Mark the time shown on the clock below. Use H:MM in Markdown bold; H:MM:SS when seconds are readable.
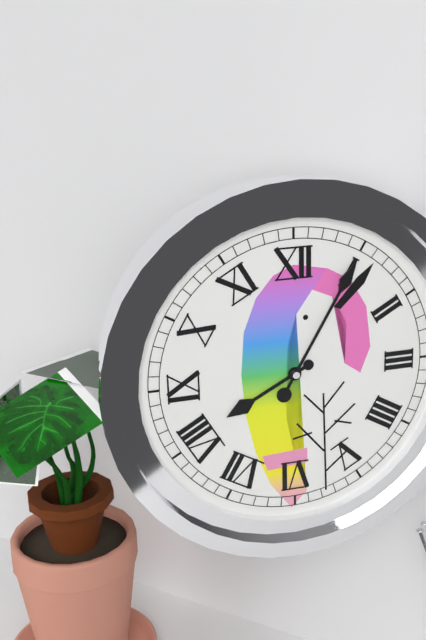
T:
**8:05**
